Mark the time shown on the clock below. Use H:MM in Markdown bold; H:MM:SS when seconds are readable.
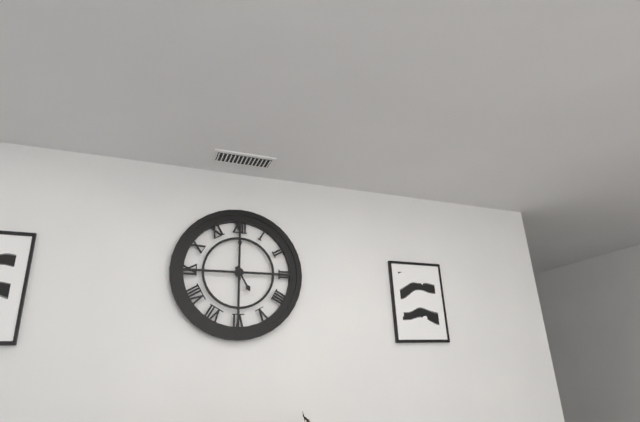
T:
**5:00**
